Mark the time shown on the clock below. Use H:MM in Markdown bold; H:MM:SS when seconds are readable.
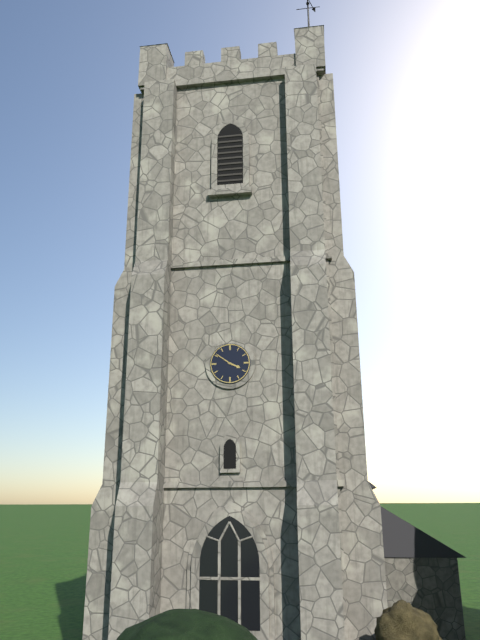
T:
**3:51**
